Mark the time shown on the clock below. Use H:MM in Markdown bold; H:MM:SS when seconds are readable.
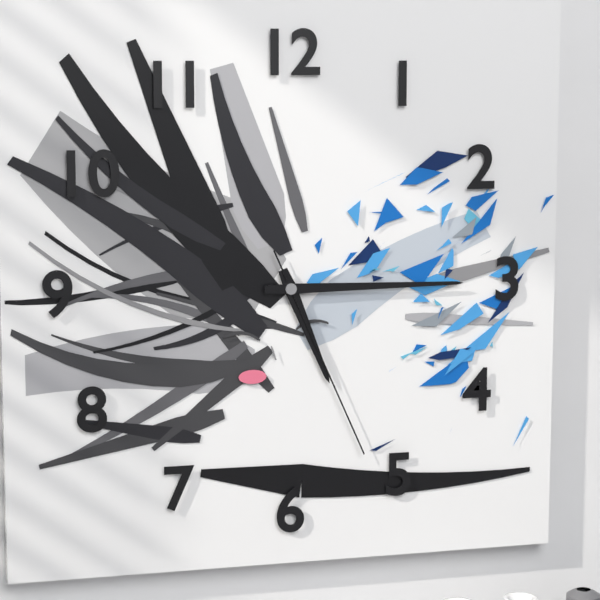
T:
**5:15:26**
